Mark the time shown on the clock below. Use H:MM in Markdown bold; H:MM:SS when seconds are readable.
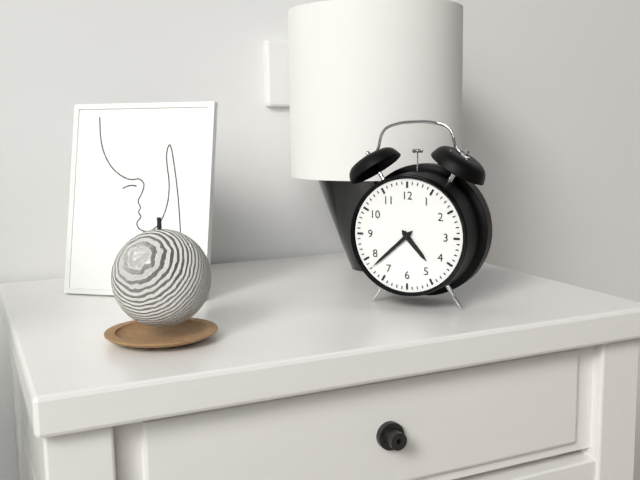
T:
**4:38**
